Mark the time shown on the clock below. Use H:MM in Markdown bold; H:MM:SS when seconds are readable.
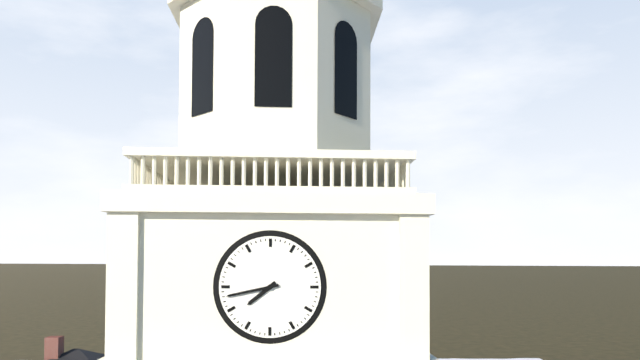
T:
**7:43**
